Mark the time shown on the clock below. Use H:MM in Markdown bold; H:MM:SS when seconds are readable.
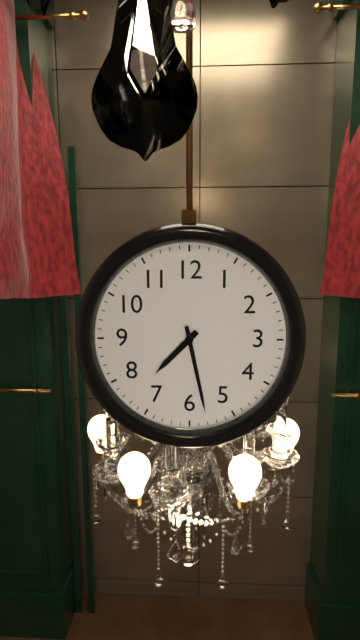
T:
**7:28**
